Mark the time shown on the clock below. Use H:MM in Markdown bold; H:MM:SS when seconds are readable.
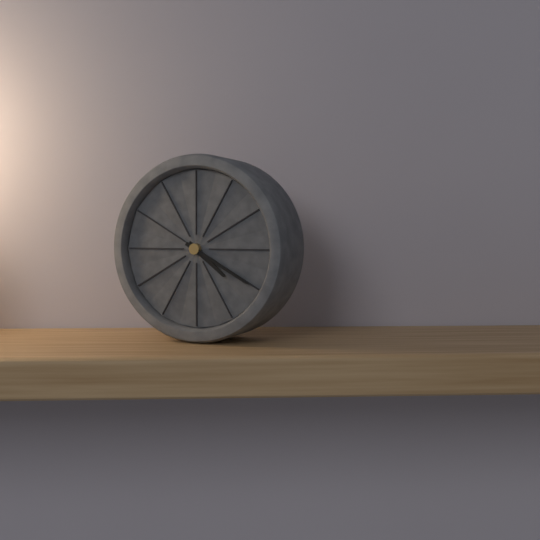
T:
**4:20**
